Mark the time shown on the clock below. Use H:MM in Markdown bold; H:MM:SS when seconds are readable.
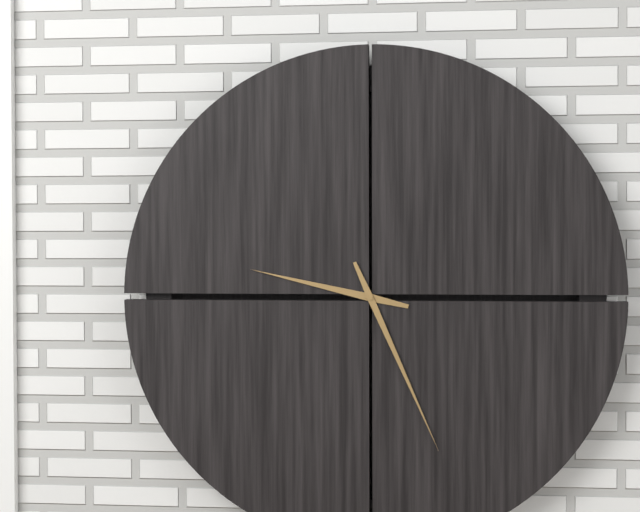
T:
**9:26**
